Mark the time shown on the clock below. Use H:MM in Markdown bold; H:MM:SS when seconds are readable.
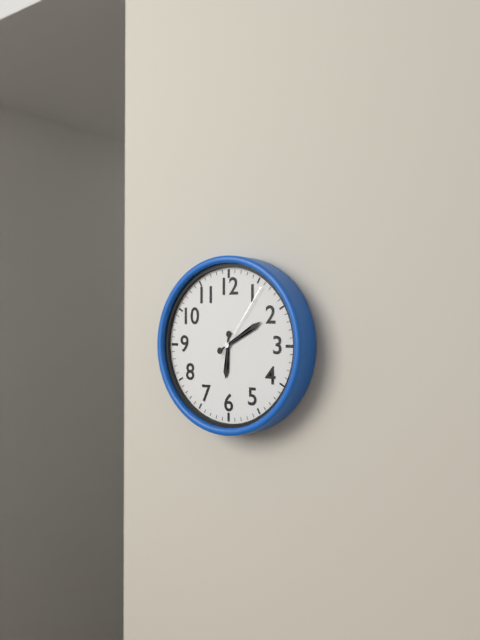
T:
**6:10:06**
